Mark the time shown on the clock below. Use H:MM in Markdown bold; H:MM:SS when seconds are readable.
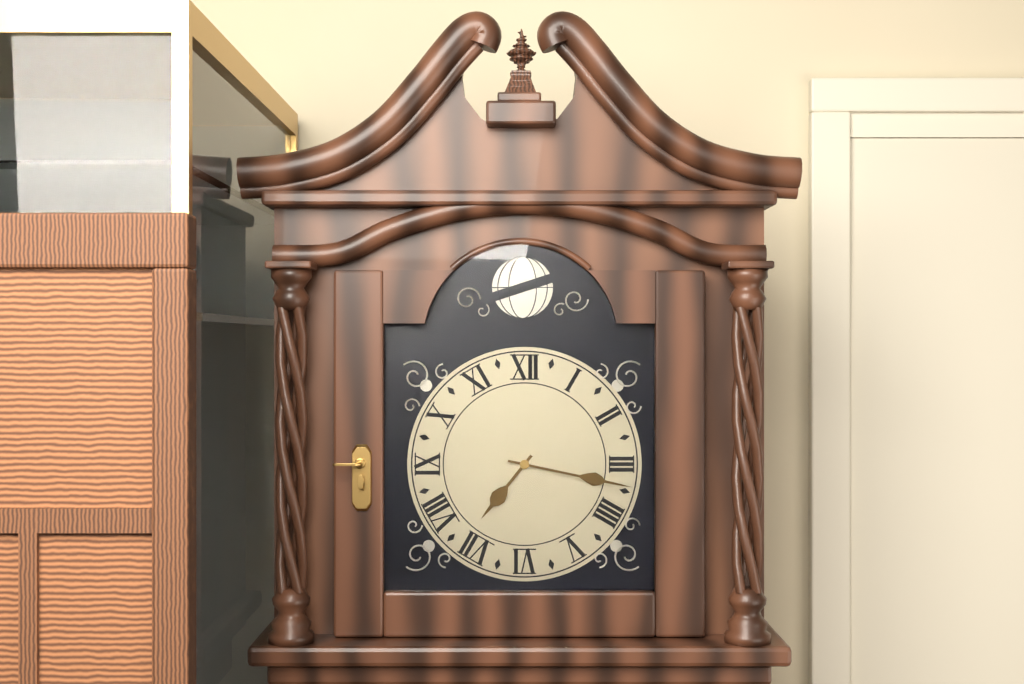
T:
**7:17**
